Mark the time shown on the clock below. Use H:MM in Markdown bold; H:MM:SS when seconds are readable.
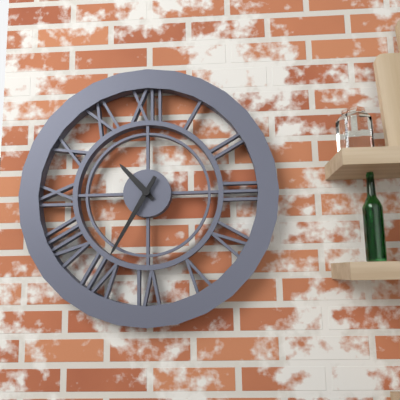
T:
**10:35**
